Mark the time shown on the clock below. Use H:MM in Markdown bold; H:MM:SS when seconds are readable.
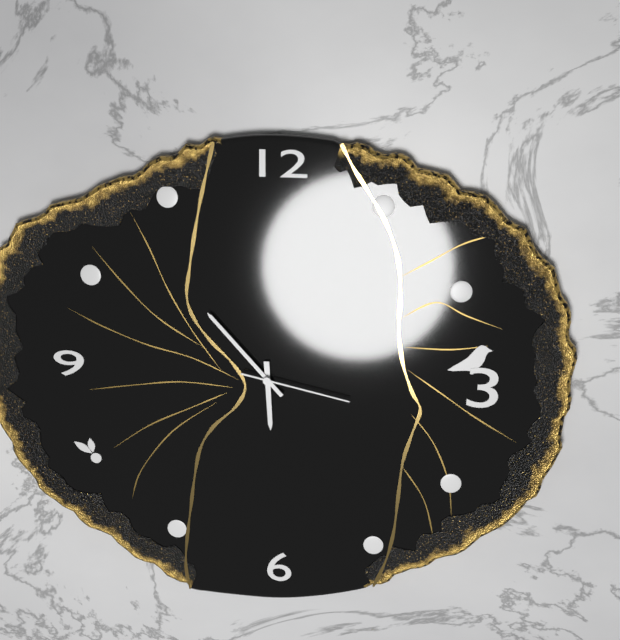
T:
**5:53:17**
